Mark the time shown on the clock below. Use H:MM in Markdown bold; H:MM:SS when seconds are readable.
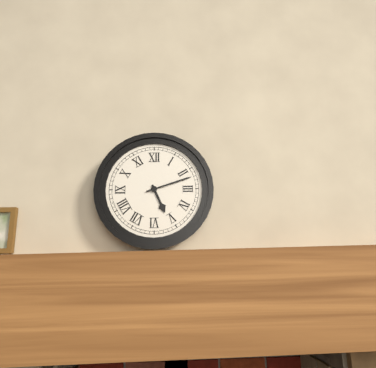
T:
**5:12**
